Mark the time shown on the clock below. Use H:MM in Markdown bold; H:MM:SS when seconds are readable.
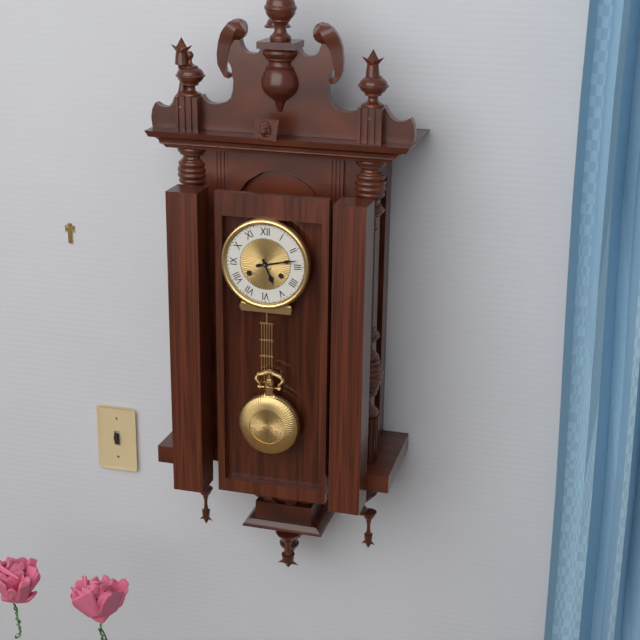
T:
**5:13**
